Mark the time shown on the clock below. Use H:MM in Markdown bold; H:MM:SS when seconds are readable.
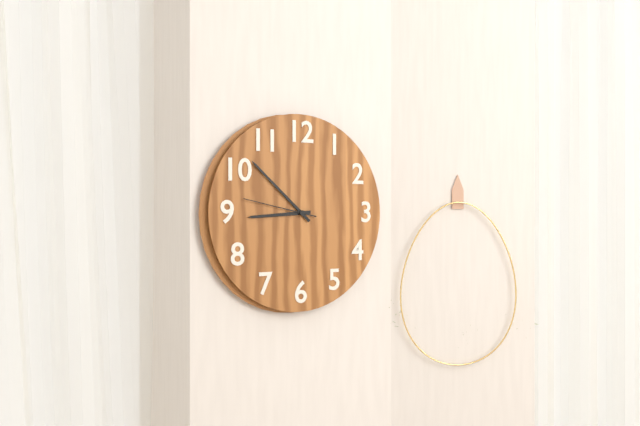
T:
**8:52:47**
